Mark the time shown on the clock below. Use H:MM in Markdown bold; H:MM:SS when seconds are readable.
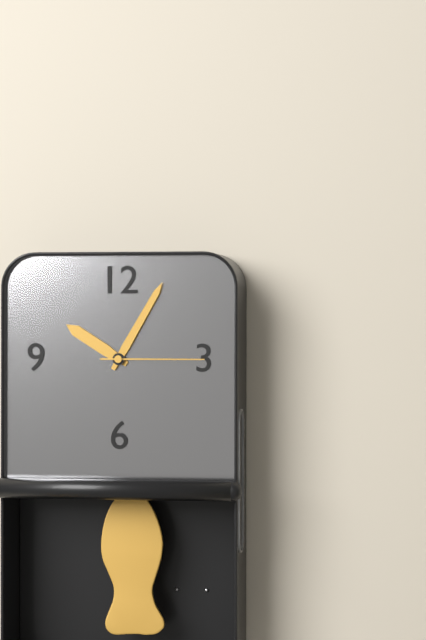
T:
**10:05:15**
